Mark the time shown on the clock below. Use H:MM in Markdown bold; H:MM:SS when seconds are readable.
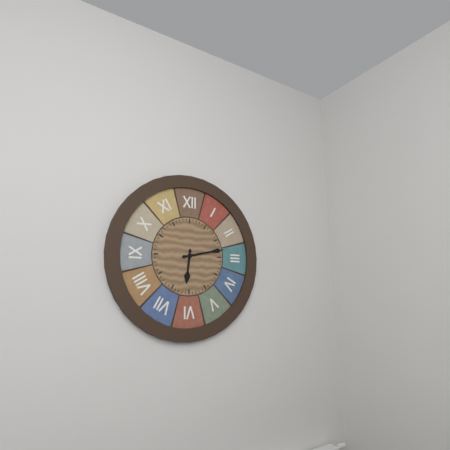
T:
**6:13**
